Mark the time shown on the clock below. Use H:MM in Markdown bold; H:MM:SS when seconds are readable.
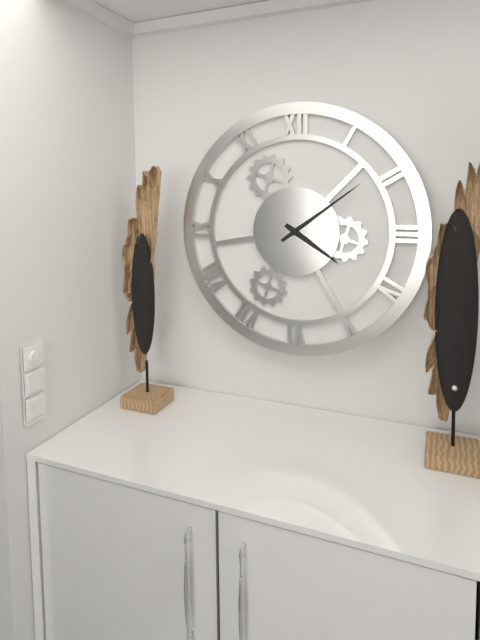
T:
**4:09**
